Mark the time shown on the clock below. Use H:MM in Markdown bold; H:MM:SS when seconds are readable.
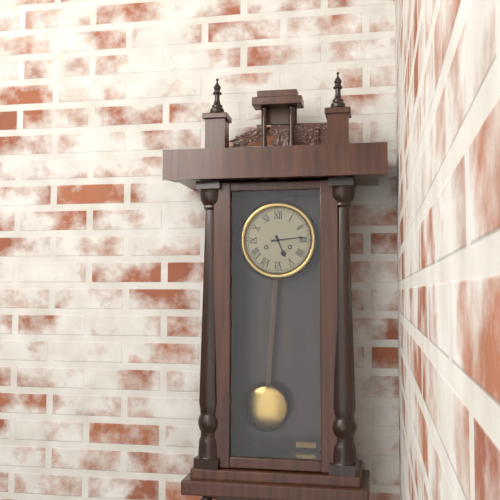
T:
**5:14**
